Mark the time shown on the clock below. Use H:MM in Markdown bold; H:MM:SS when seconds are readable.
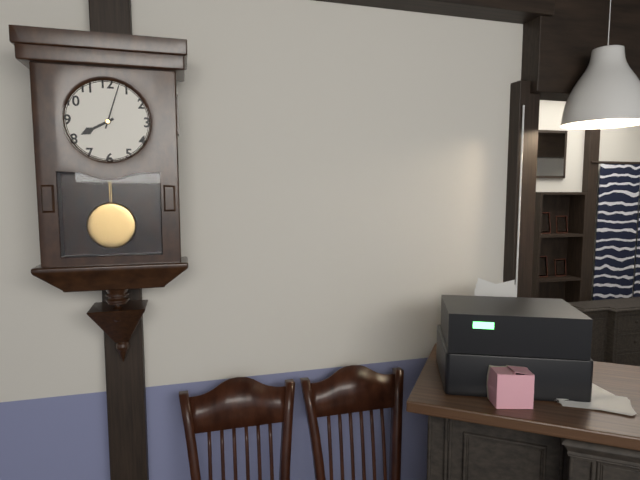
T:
**8:03**
